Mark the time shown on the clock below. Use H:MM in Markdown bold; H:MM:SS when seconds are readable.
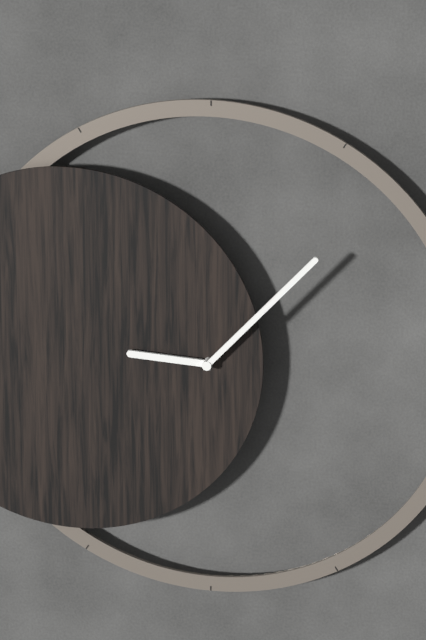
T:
**9:07**
